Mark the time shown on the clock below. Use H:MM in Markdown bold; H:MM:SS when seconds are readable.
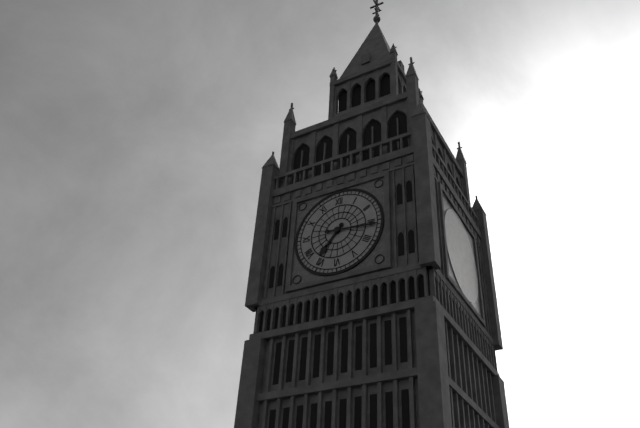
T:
**7:16**
